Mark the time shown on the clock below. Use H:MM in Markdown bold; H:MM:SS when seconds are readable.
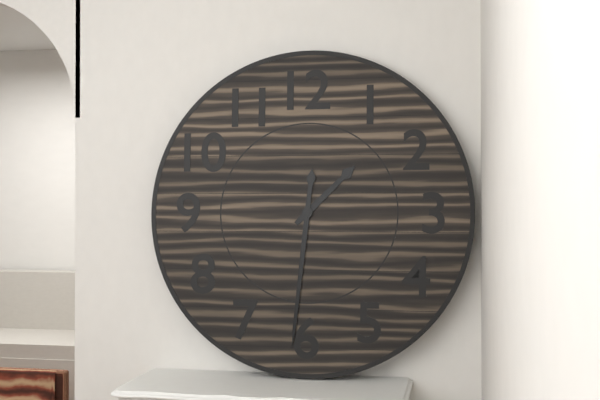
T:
**1:31**
